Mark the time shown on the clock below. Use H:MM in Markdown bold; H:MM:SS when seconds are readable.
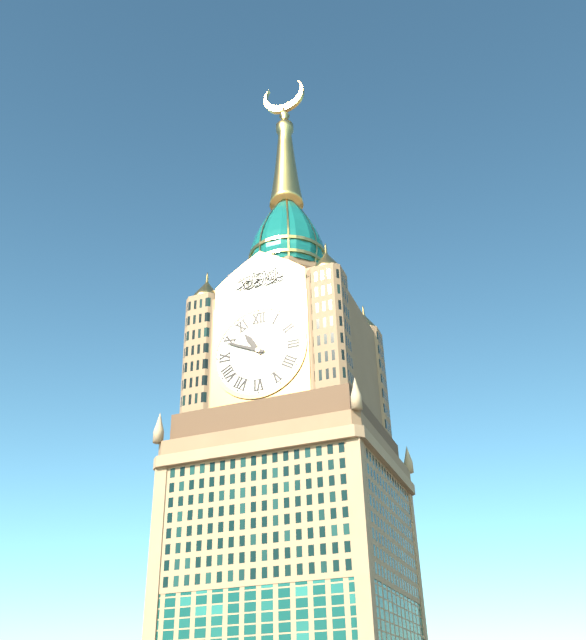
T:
**10:49**
